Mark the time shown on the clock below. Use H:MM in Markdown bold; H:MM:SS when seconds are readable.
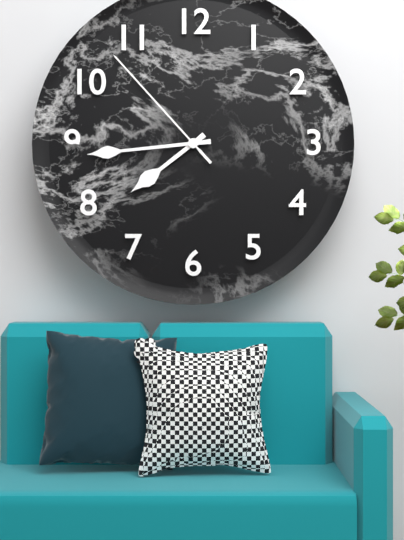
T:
**7:44:53**
